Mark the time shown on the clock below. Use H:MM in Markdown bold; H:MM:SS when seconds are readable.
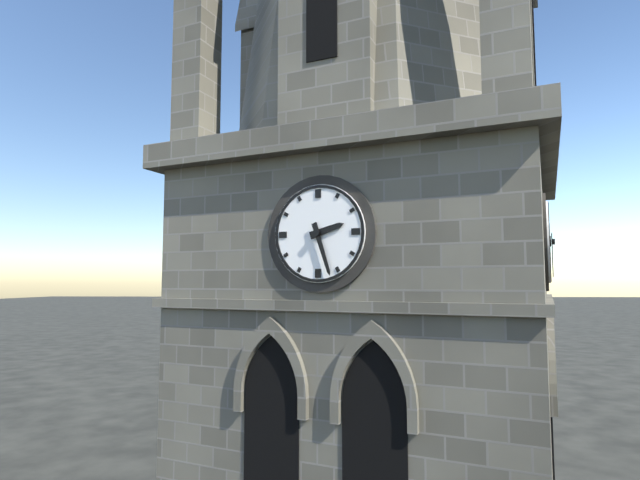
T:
**2:27**
